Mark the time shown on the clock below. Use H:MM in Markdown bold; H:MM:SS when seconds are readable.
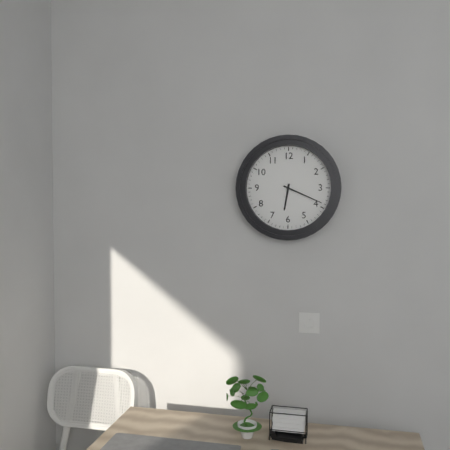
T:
**6:19**
